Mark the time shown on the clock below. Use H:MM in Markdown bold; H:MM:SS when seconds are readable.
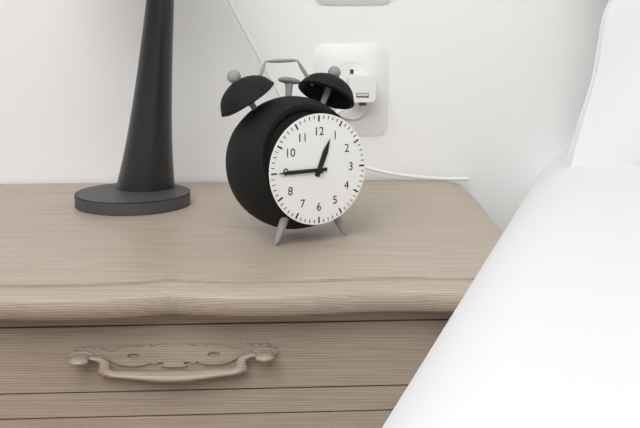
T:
**12:45**
